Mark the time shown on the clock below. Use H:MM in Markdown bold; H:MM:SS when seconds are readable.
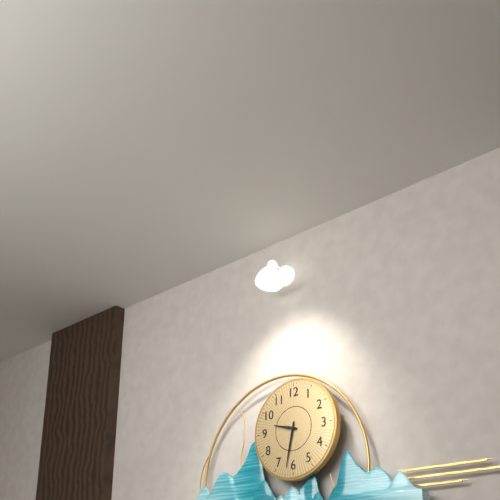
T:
**9:32**
